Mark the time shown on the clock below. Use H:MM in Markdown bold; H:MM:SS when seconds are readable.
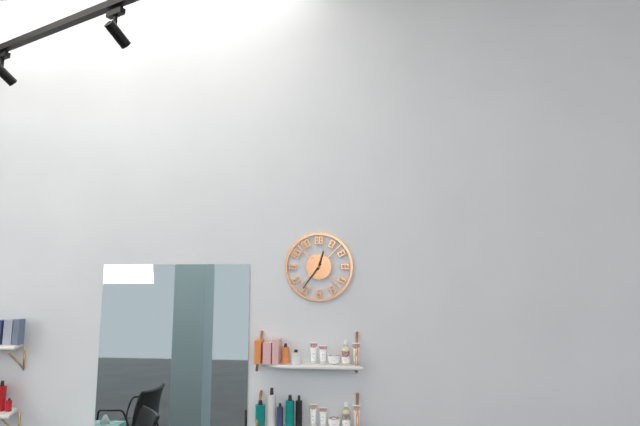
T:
**12:36**
